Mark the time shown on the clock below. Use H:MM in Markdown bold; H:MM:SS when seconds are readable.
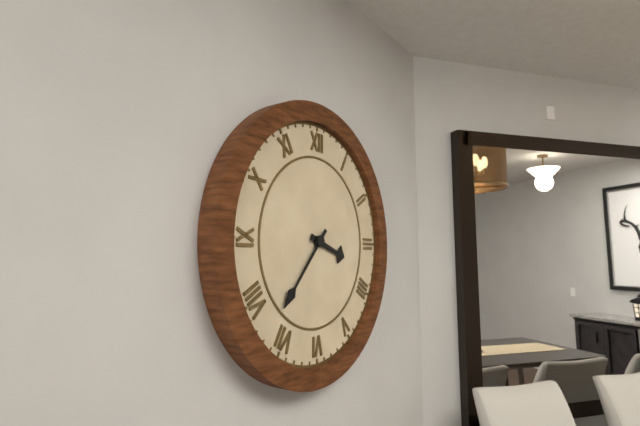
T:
**3:37**
